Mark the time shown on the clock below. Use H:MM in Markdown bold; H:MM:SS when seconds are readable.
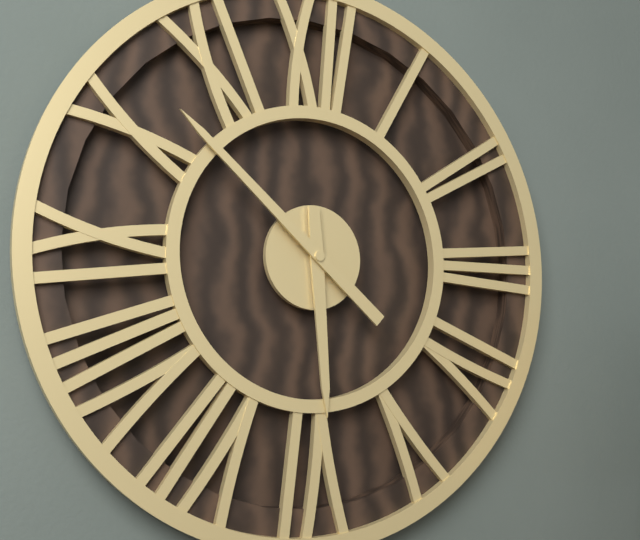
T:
**5:52**
